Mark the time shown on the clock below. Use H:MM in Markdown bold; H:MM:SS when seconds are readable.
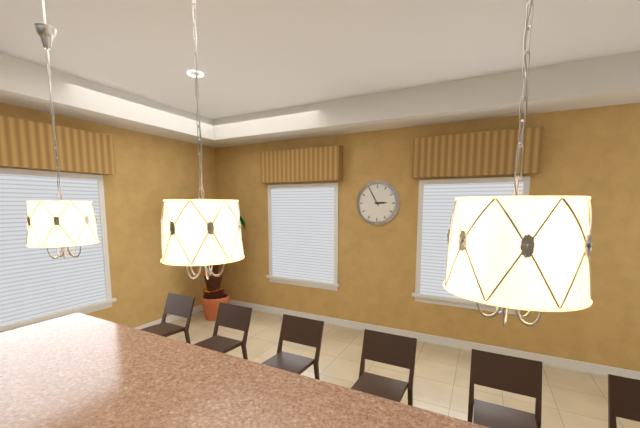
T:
**2:55**
